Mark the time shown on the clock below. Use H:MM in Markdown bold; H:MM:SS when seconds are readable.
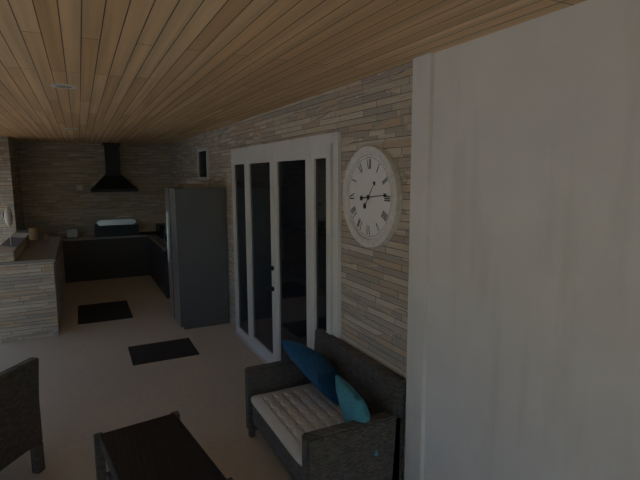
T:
**1:14**
